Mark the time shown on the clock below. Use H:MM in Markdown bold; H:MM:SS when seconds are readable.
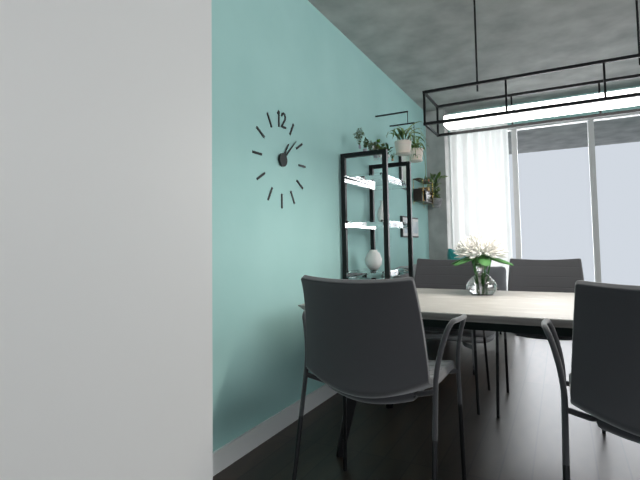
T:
**1:08**
